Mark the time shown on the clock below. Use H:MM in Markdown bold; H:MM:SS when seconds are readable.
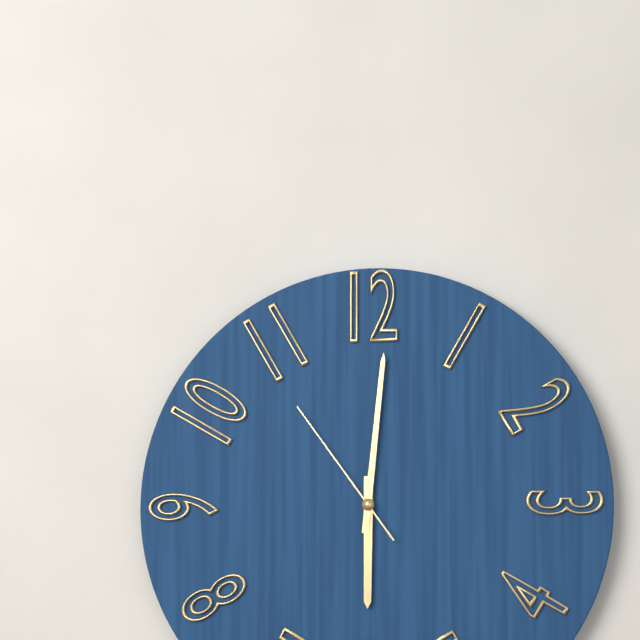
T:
**6:01:54**
